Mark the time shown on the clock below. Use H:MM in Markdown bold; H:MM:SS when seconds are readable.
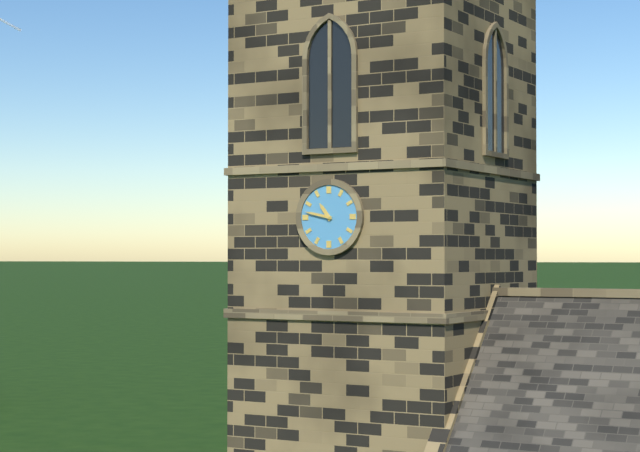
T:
**10:47**
